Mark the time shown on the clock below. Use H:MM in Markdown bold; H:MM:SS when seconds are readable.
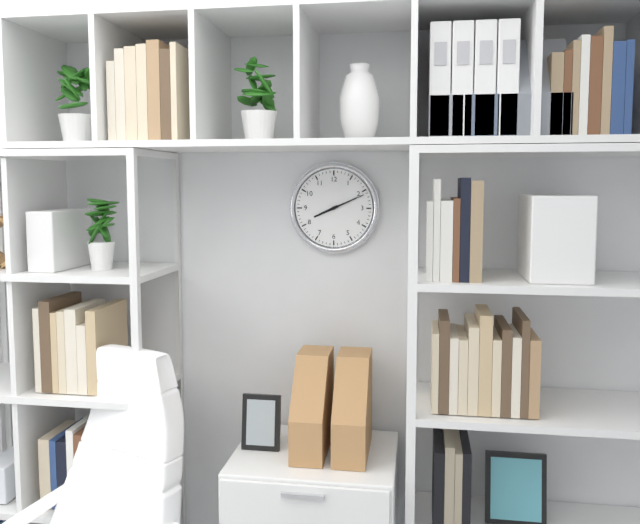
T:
**8:11**
